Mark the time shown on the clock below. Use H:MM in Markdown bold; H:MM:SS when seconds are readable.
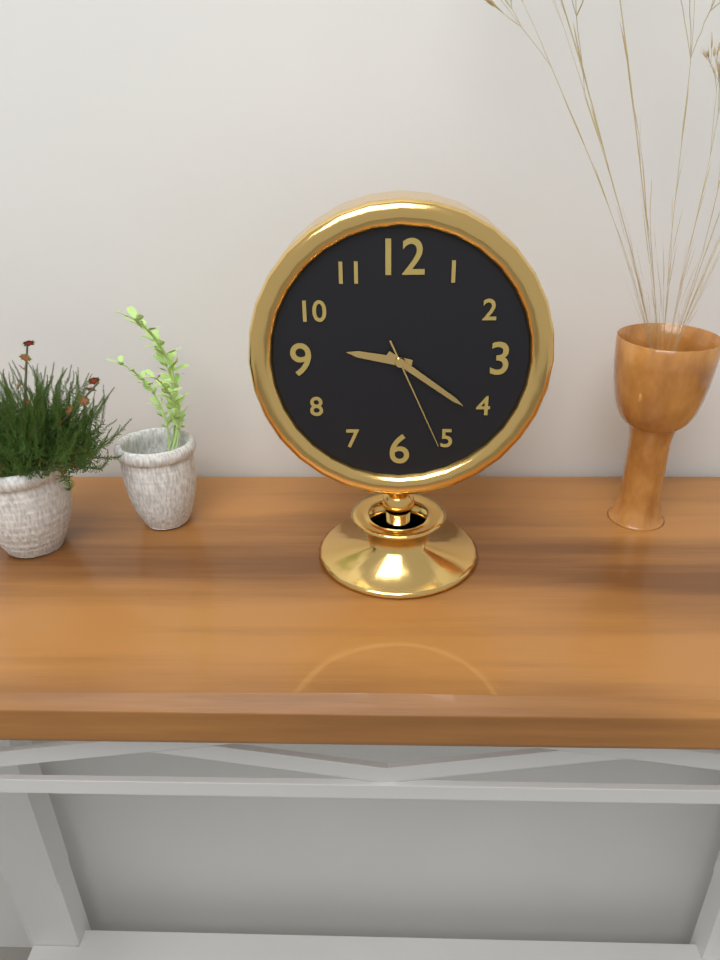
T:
**9:21:26**
